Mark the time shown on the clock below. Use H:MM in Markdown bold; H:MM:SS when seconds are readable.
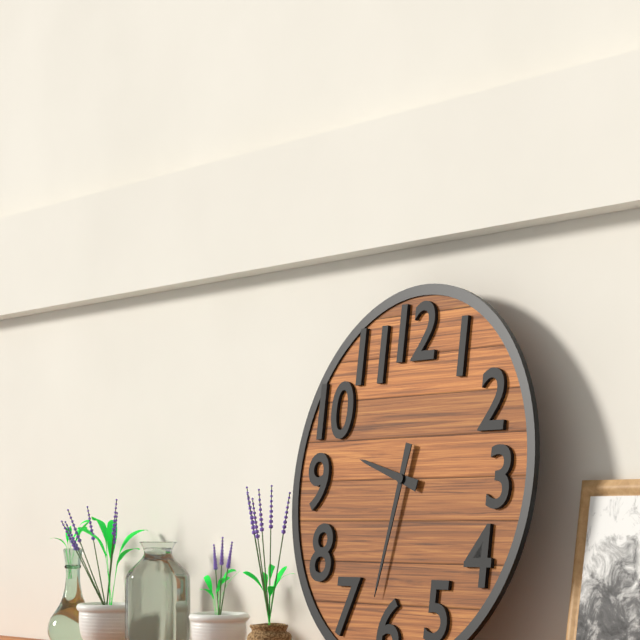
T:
**9:32**
